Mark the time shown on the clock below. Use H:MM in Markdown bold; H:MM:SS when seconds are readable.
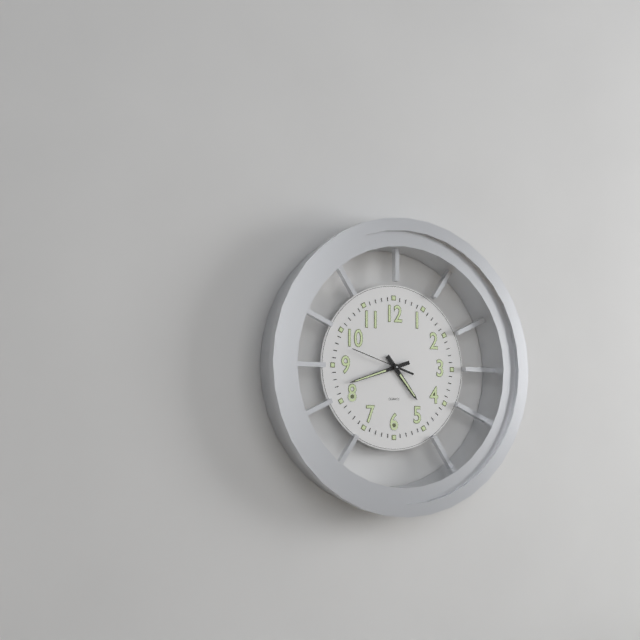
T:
**4:42:48**
